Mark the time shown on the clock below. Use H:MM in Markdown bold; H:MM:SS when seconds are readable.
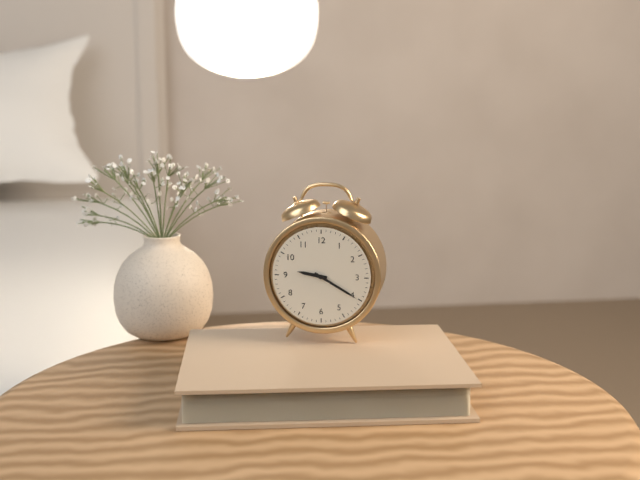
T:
**9:20**
